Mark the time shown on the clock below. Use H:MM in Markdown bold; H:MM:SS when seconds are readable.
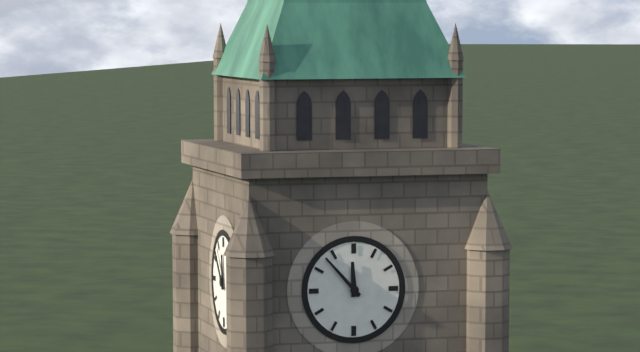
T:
**11:53**
